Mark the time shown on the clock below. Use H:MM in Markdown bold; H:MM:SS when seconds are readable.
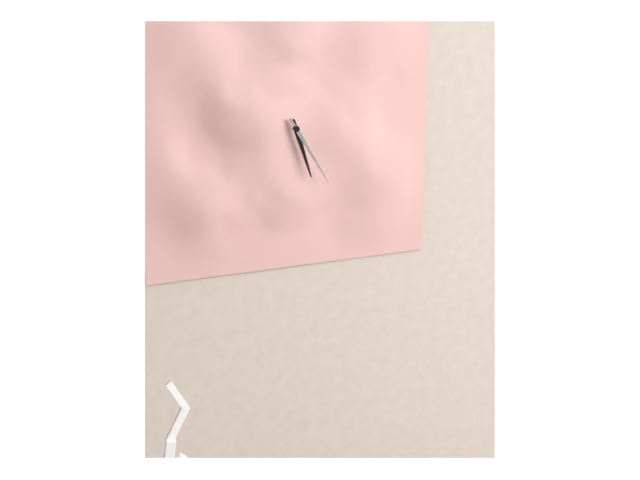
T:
**5:25**
